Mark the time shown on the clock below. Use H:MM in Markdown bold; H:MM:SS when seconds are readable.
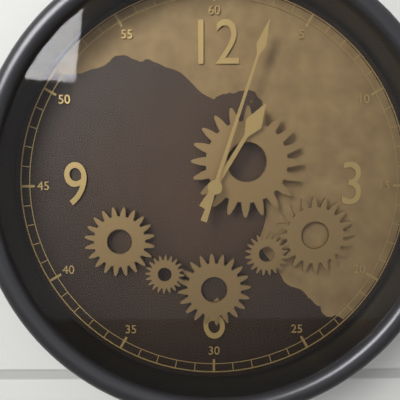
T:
**1:03**
